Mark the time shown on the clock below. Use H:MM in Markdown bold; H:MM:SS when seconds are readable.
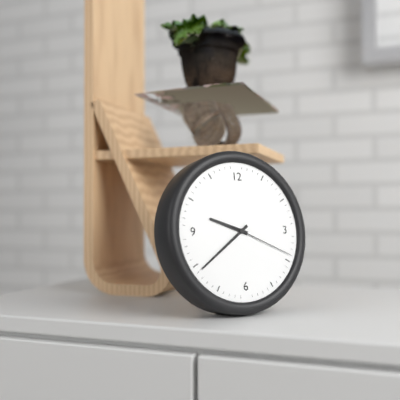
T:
**9:39:19**
